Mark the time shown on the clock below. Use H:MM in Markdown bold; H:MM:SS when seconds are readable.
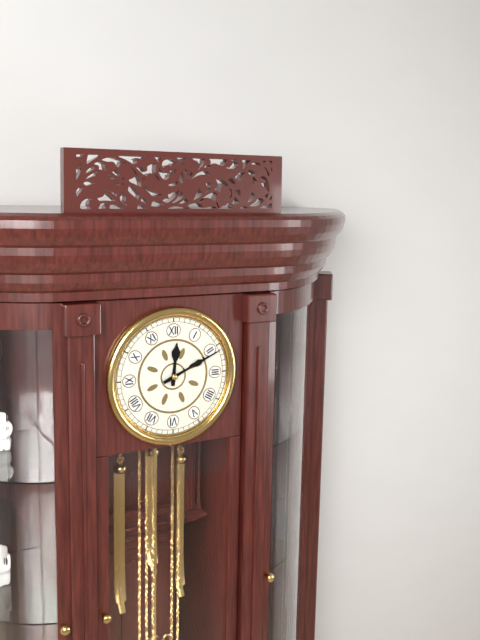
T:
**12:11**
